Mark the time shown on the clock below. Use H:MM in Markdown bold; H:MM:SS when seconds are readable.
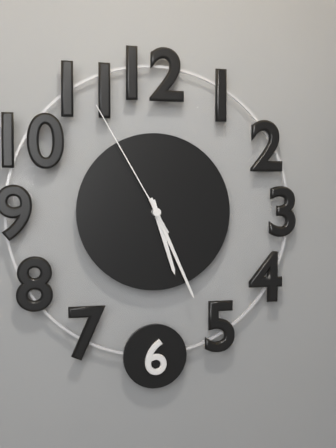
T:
**5:26:55**
